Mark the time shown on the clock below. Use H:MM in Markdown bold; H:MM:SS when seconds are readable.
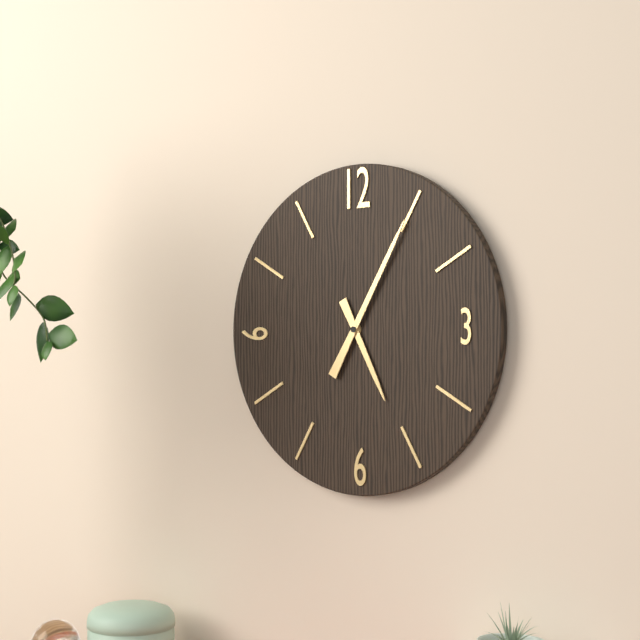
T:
**5:05**
